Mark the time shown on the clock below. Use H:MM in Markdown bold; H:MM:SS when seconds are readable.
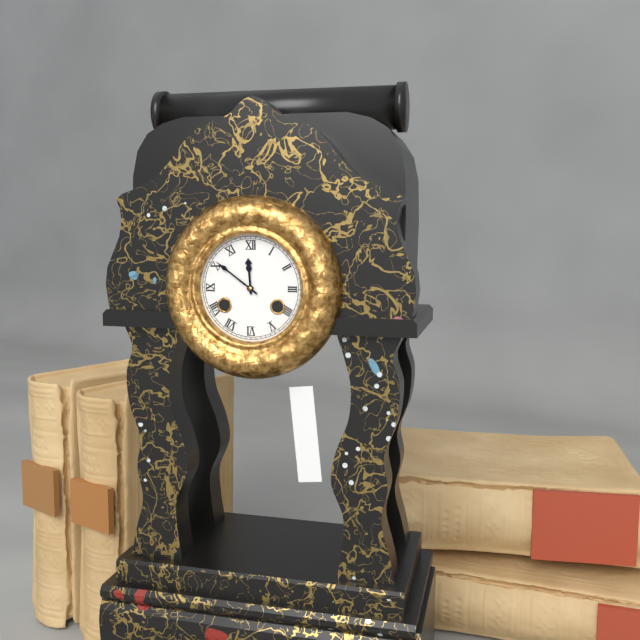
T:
**11:51**
